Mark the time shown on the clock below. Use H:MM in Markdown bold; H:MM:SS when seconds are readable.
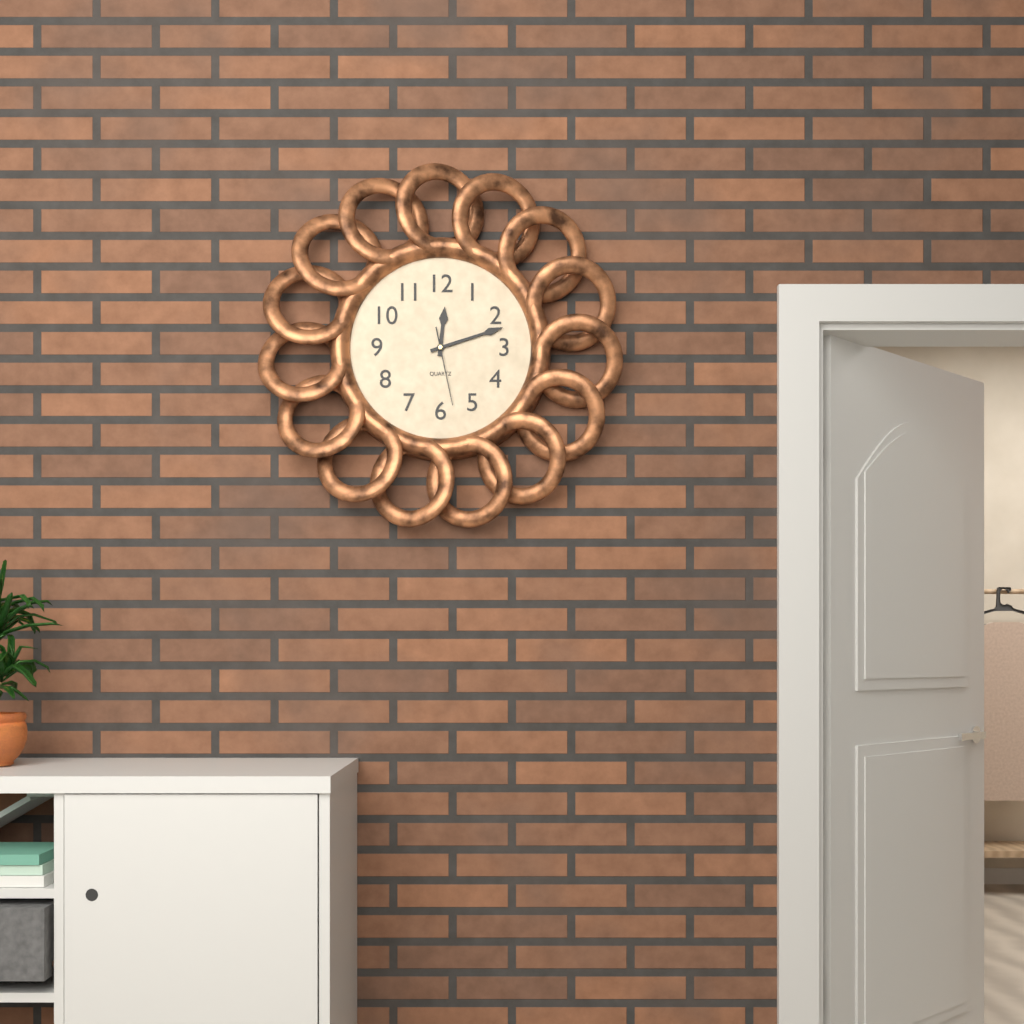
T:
**12:12:28**
